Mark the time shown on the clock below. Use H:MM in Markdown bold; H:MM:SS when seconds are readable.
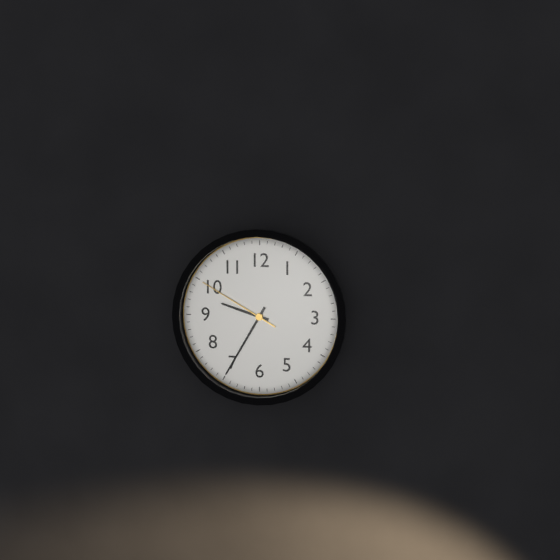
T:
**9:35:50**
